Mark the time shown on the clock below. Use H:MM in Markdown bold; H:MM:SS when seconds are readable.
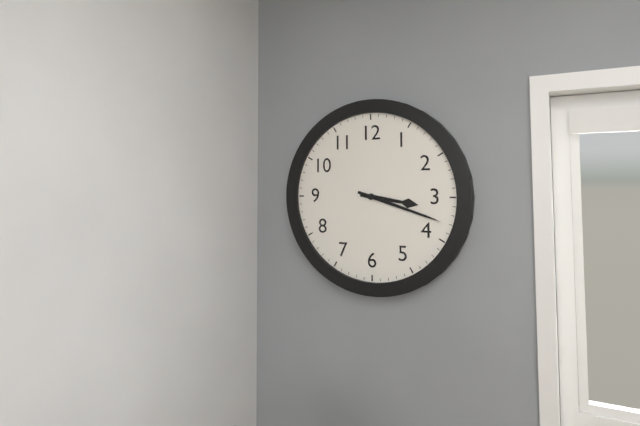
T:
**3:18**
